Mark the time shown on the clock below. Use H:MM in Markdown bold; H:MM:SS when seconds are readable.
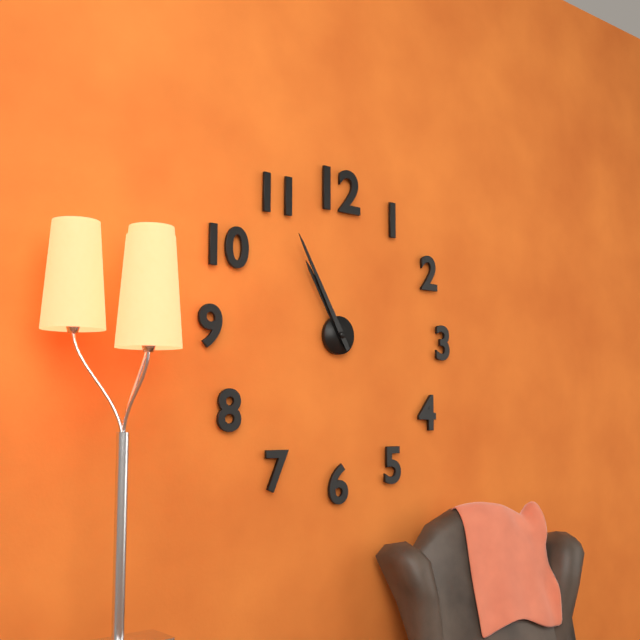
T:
**10:55**
